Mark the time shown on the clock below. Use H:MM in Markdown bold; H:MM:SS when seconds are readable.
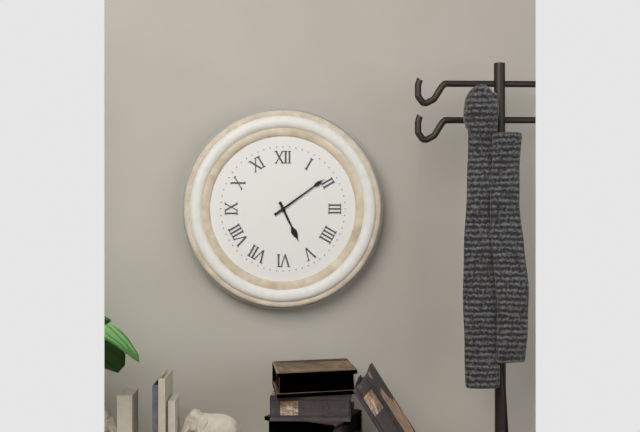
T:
**5:09**
